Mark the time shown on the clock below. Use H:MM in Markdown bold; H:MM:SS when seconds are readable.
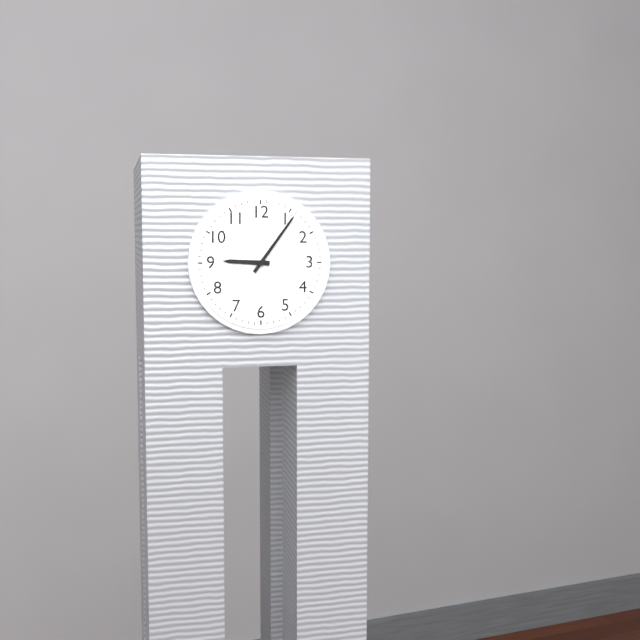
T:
**9:06**
